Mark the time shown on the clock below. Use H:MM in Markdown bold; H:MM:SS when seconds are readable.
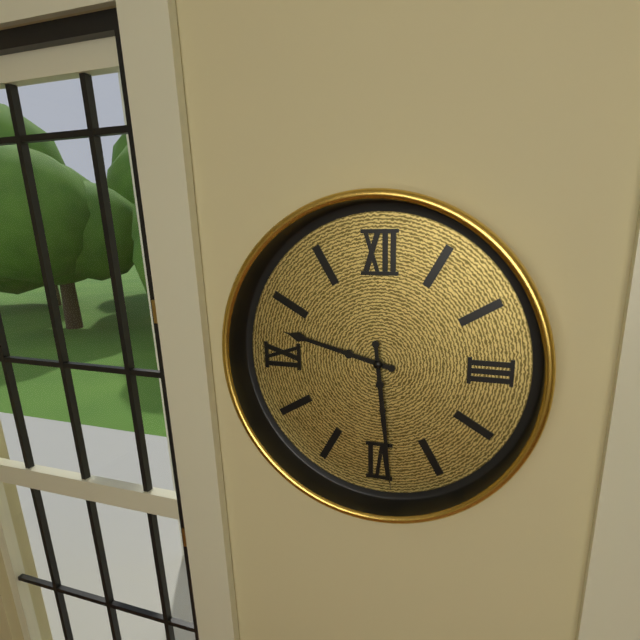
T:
**9:29**
